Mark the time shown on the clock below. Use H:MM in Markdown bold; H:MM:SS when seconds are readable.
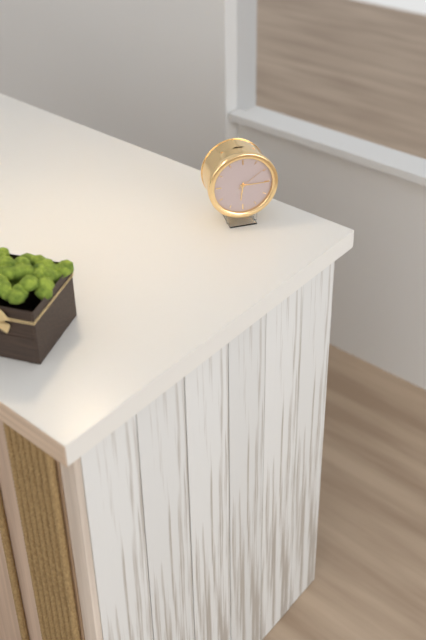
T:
**6:15**
